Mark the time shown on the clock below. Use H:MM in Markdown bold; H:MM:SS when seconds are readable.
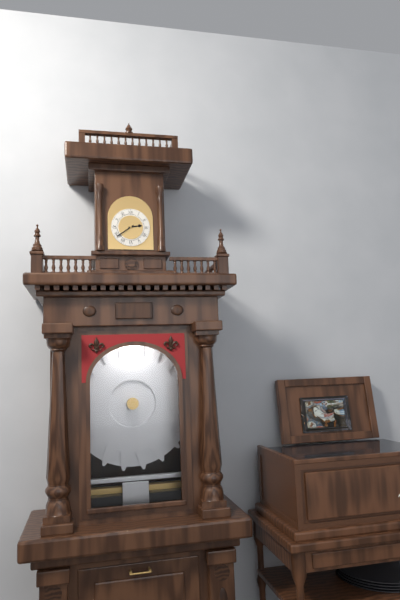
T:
**2:39**
